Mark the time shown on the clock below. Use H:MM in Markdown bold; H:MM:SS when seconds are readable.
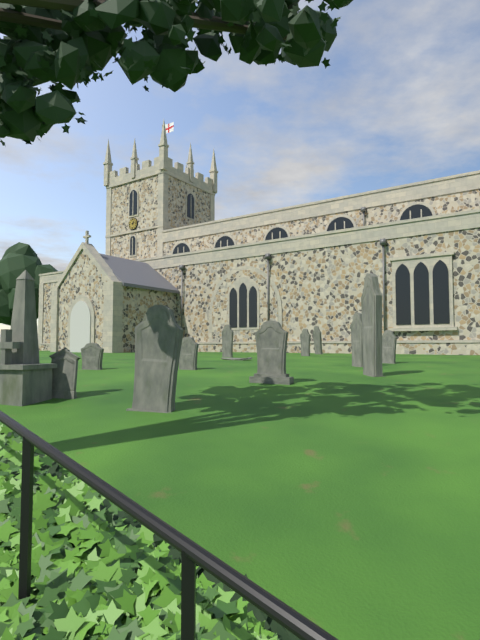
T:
**1:13**
